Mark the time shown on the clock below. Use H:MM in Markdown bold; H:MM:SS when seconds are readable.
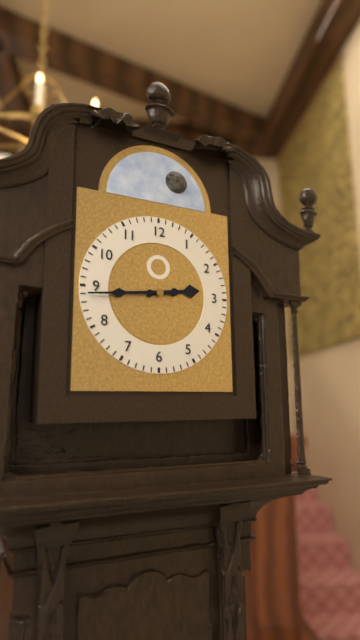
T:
**2:44**
